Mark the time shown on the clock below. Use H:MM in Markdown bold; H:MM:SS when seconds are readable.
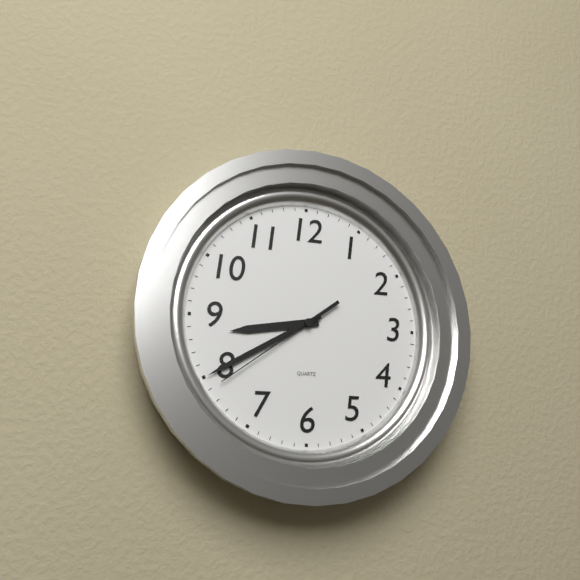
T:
**8:40:39**
